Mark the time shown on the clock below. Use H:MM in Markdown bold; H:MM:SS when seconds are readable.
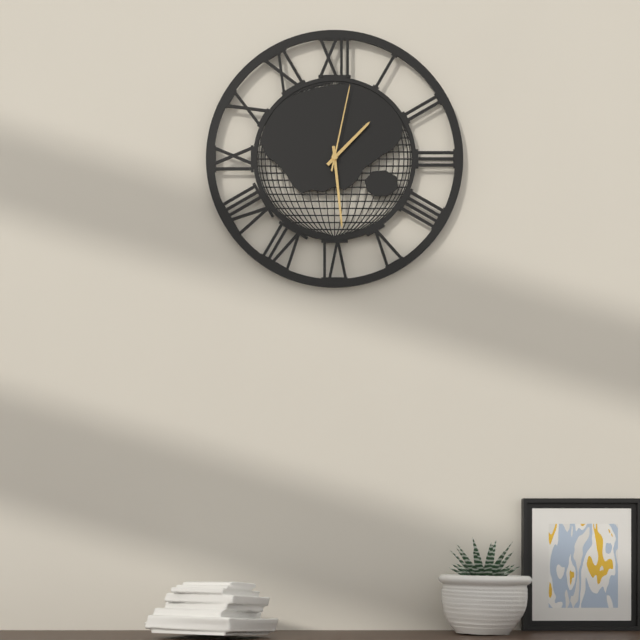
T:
**1:29:02**
